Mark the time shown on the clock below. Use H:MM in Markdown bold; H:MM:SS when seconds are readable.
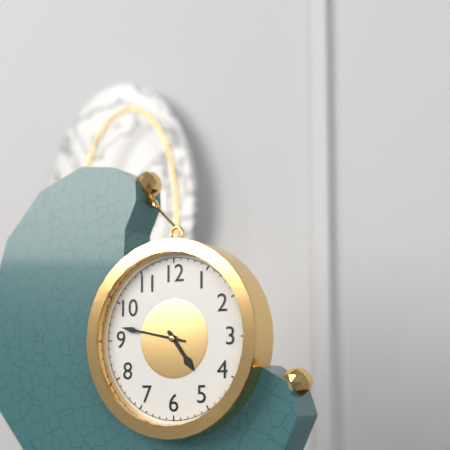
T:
**4:47**
